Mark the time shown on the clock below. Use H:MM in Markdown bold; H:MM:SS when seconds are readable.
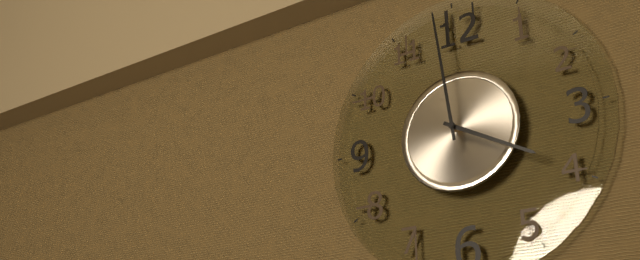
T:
**3:59**
